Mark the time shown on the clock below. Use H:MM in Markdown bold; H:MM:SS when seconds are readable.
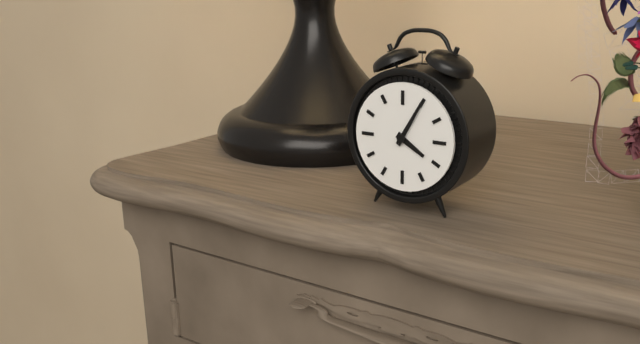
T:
**4:05**
